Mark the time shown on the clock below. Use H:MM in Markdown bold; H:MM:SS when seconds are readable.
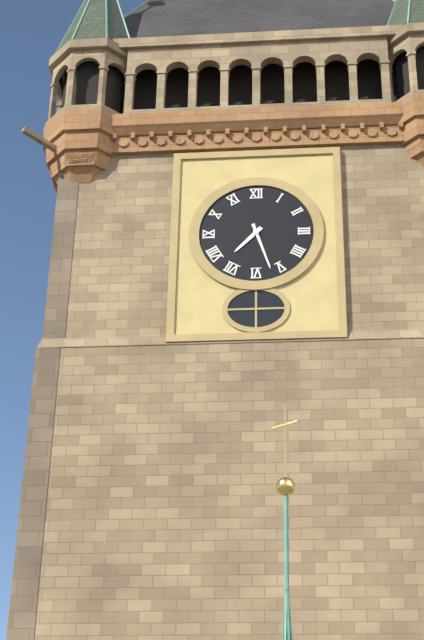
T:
**7:27**
